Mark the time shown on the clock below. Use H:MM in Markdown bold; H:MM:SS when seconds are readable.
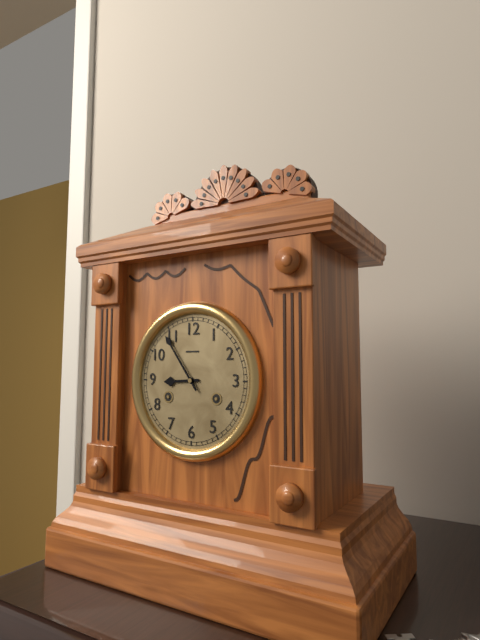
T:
**8:54**
